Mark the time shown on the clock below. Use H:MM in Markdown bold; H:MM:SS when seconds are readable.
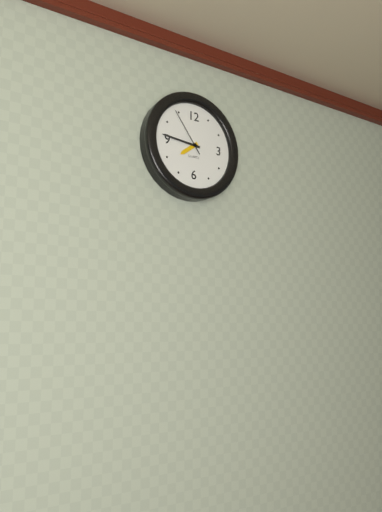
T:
**7:46:54**
